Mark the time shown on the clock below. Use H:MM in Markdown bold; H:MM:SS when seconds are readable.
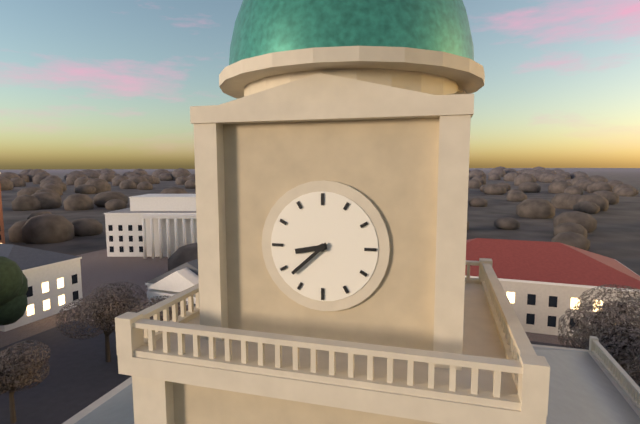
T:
**8:38**
